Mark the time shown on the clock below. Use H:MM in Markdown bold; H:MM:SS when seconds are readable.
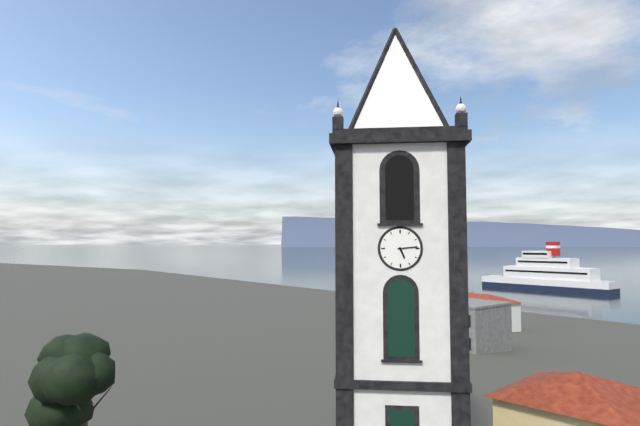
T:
**5:14**
